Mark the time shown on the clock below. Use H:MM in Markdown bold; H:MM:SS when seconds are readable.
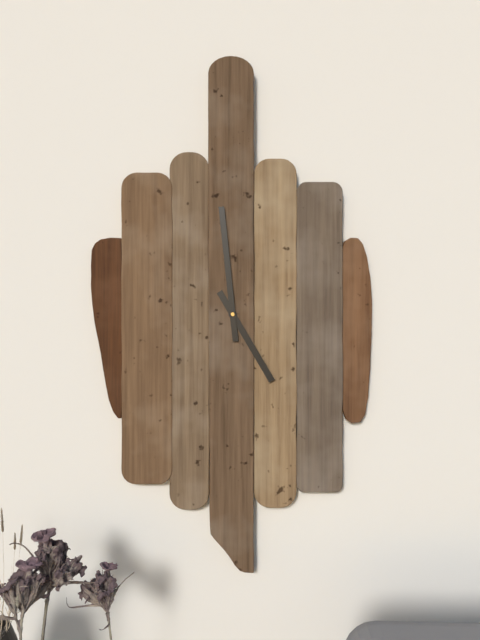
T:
**4:59**
